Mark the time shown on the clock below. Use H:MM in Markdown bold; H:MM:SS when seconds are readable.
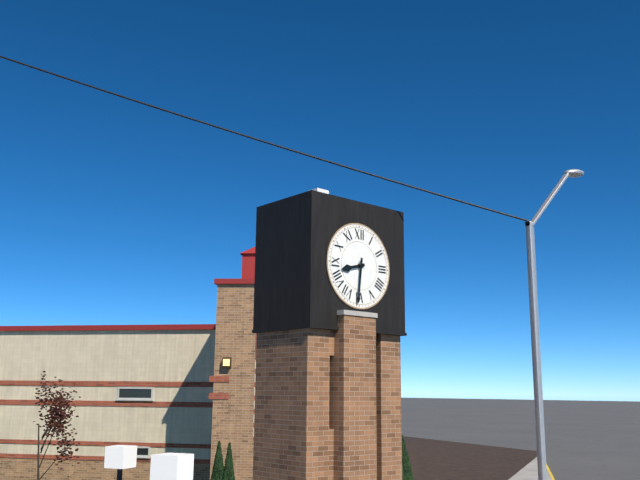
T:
**8:31**
